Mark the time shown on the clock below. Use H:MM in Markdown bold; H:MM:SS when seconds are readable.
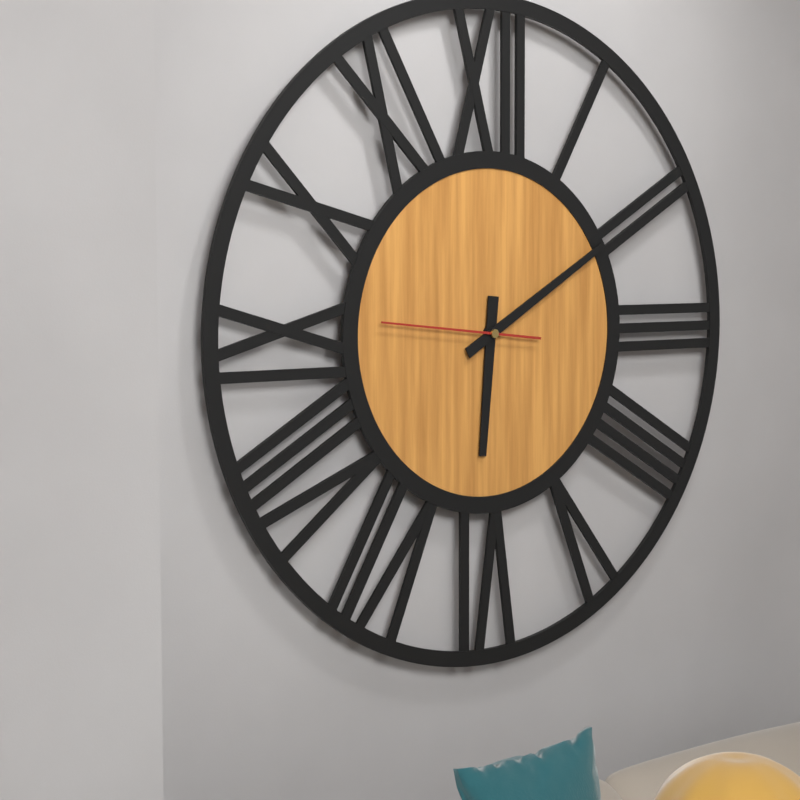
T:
**6:10:46**
